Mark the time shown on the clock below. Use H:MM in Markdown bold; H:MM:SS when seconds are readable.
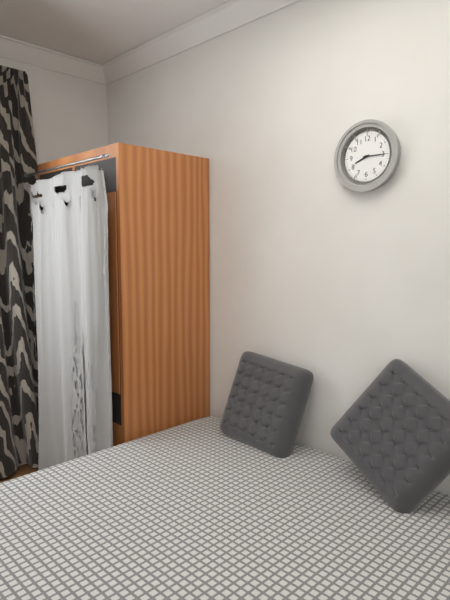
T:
**8:15**
